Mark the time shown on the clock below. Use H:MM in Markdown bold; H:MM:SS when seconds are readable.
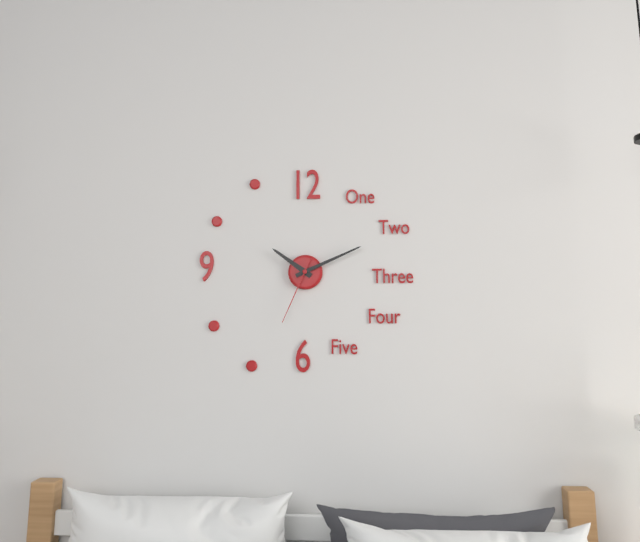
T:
**10:11:34**
